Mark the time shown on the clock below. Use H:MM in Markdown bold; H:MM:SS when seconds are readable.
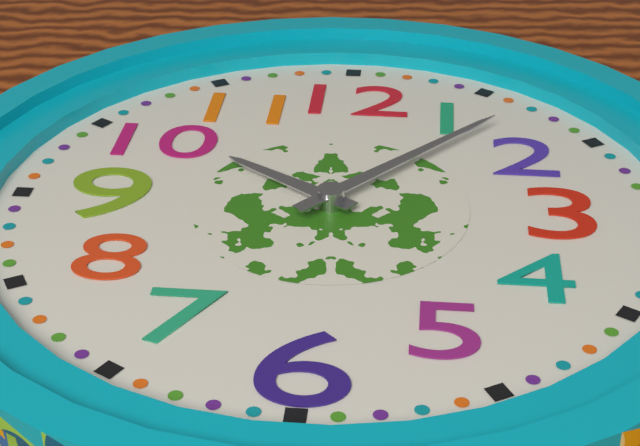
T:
**10:07**
